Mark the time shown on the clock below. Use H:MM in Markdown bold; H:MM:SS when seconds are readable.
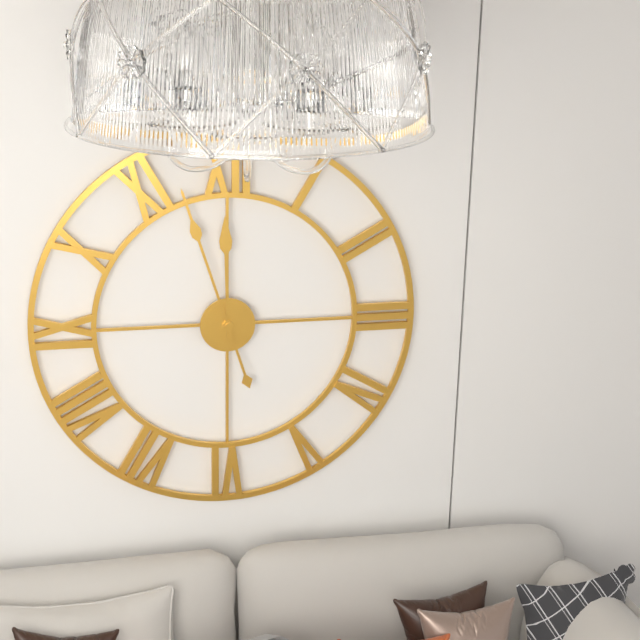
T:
**11:57**
